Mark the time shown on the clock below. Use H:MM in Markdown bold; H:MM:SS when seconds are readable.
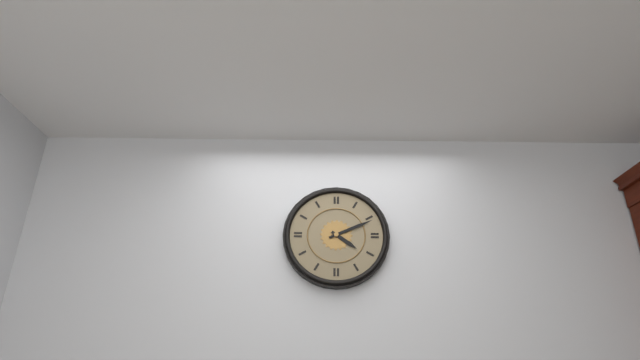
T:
**4:11**
